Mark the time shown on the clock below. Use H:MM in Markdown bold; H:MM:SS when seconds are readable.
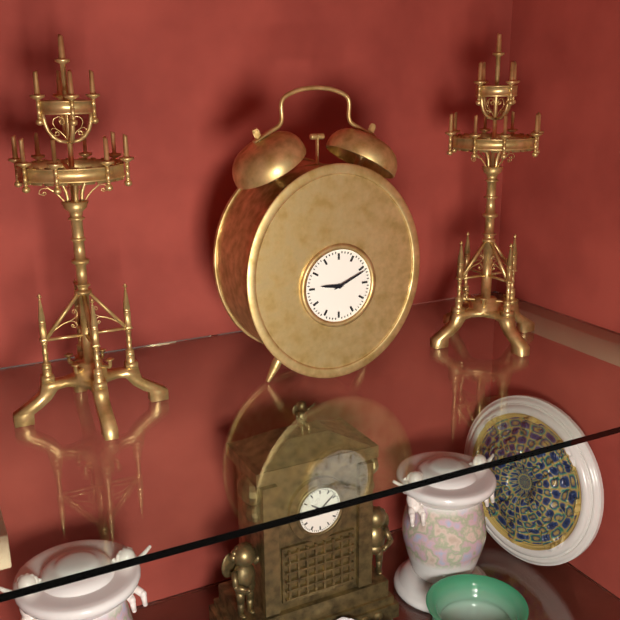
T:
**9:11**
